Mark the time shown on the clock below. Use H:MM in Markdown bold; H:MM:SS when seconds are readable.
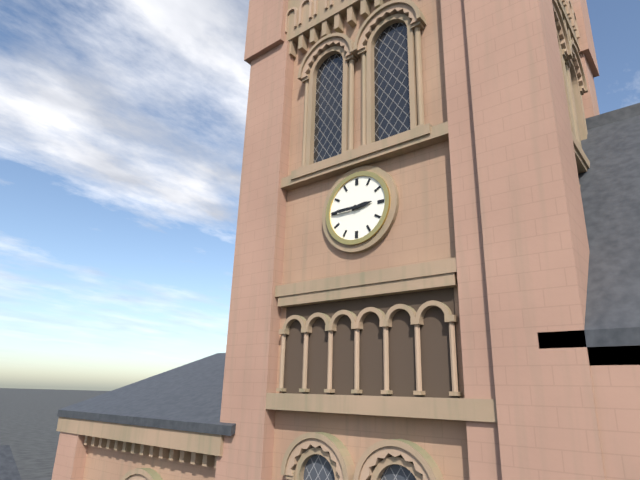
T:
**2:45**
